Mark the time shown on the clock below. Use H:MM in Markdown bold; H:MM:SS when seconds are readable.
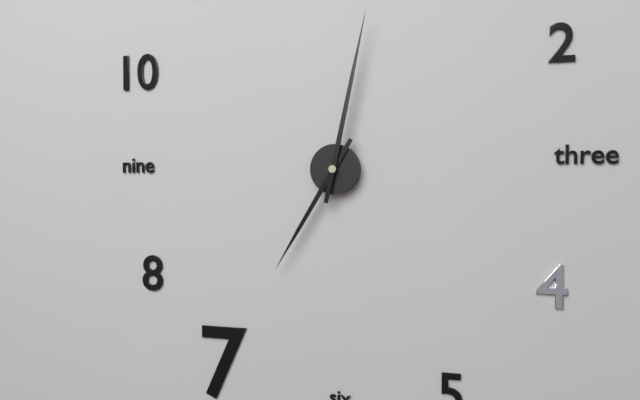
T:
**7:02**
